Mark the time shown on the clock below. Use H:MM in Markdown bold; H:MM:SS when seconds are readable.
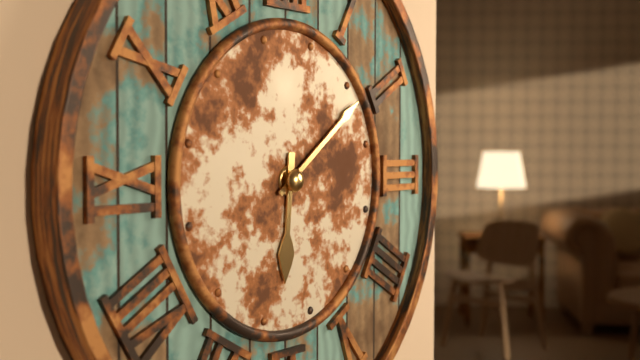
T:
**6:09**
